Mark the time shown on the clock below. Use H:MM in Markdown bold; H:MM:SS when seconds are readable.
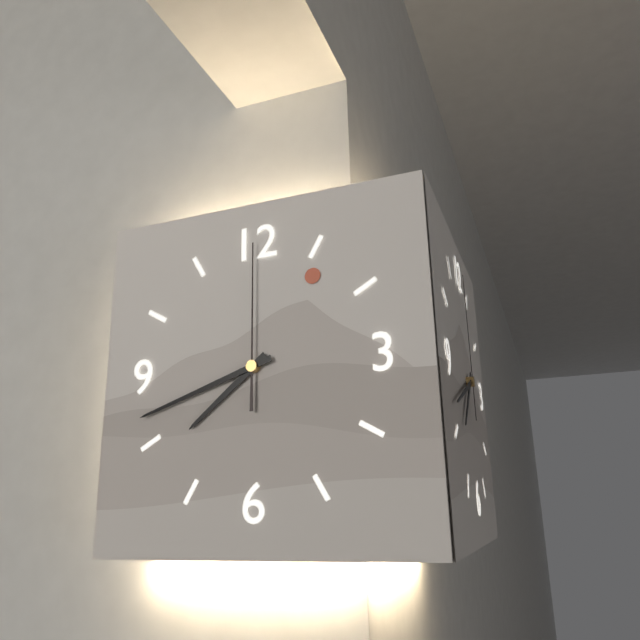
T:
**7:42:00**
